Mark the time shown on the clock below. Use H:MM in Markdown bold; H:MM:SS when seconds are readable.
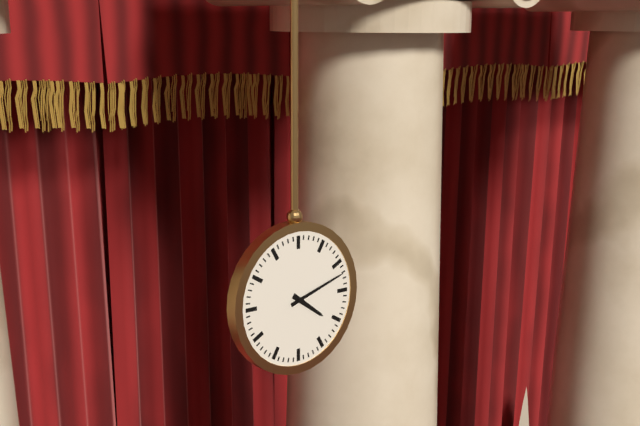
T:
**4:12**
